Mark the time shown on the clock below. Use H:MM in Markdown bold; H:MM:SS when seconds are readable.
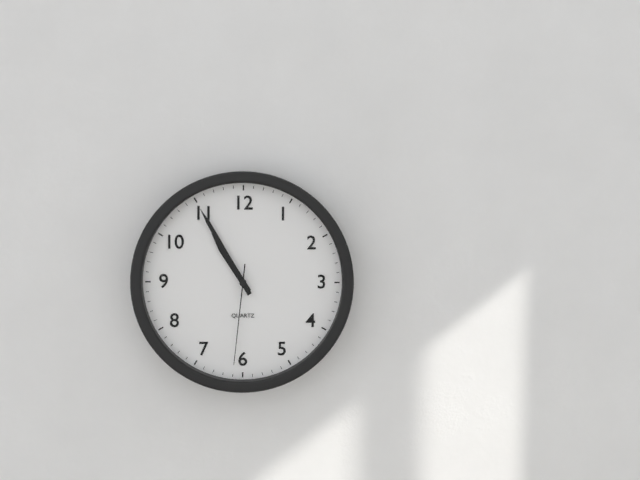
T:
**10:55:31**
